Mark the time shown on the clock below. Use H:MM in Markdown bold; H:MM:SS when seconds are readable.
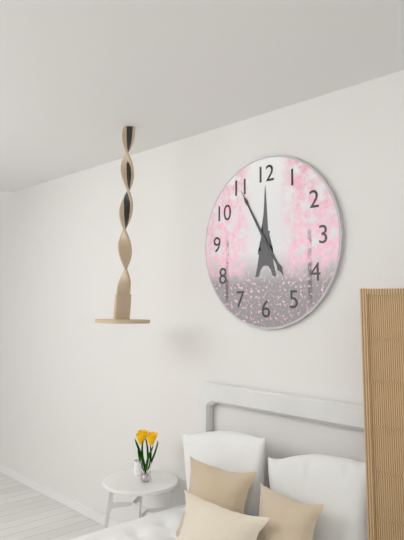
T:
**4:55**
